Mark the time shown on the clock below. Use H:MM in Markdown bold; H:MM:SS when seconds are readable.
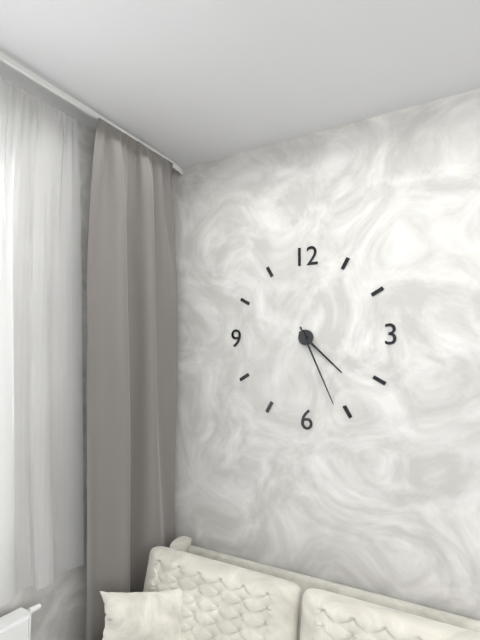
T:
**4:26**
